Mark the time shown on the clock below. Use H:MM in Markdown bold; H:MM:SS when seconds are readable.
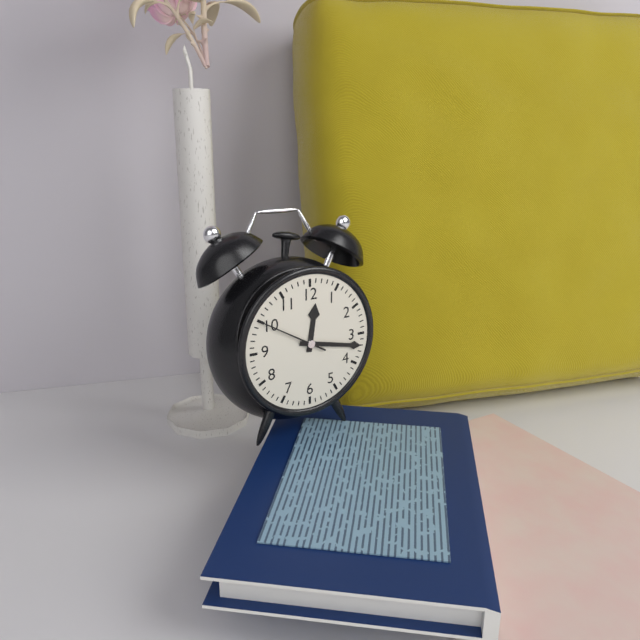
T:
**12:17:50**
